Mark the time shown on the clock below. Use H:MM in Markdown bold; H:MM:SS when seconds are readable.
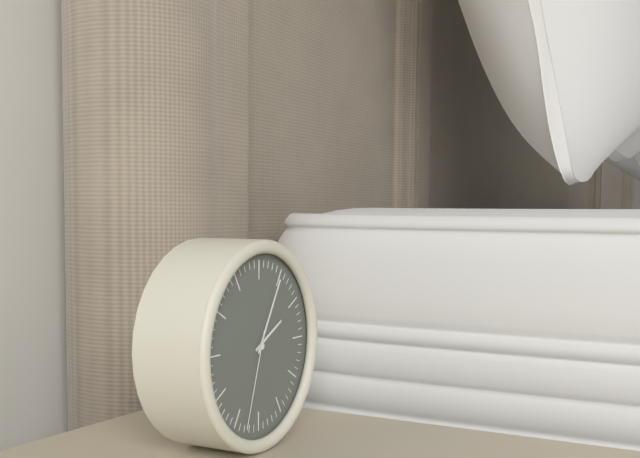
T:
**2:05:33**
